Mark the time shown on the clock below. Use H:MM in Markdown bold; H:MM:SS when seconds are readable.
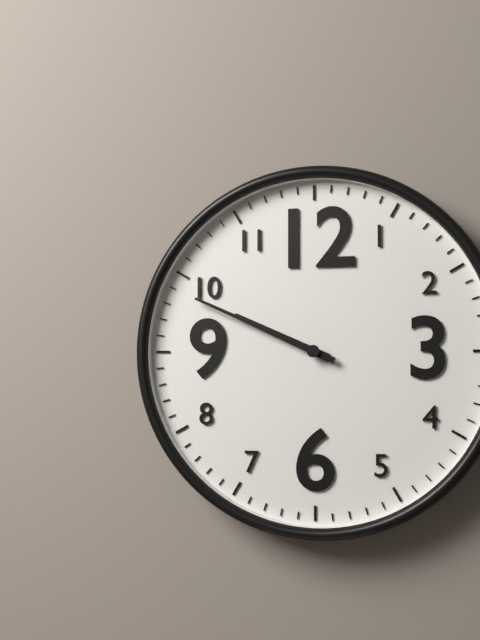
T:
**9:49**
